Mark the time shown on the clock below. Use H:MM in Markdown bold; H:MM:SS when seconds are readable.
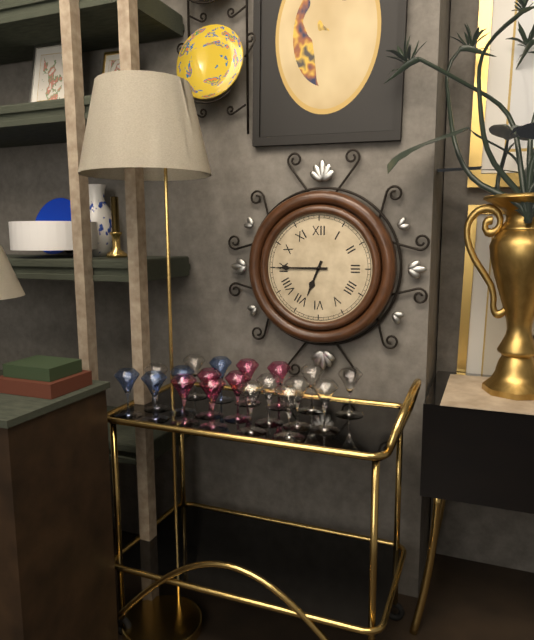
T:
**6:45**
